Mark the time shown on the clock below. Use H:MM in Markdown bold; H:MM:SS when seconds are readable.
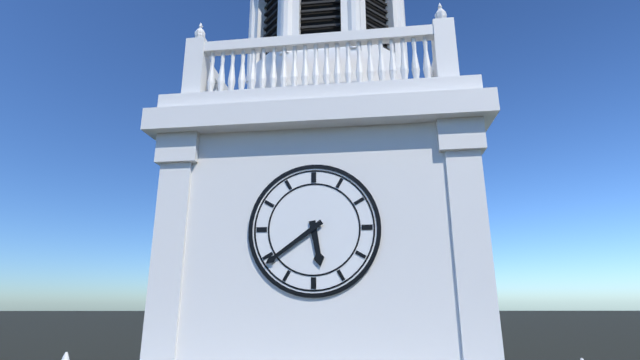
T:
**5:39**
